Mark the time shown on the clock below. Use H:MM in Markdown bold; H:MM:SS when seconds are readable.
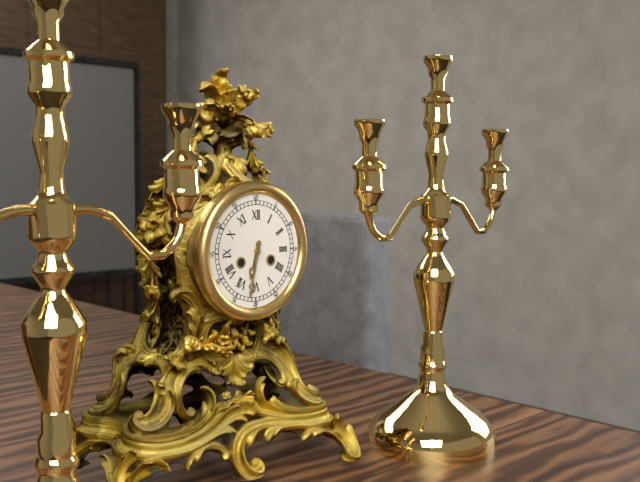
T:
**6:32**
